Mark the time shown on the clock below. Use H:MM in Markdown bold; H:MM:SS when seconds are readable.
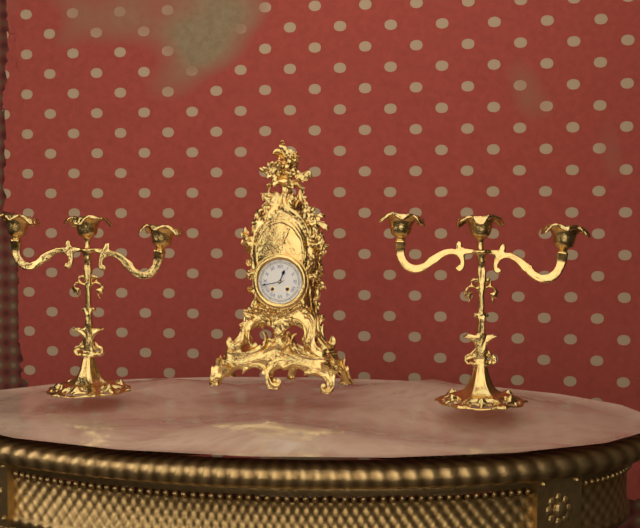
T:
**12:43**
